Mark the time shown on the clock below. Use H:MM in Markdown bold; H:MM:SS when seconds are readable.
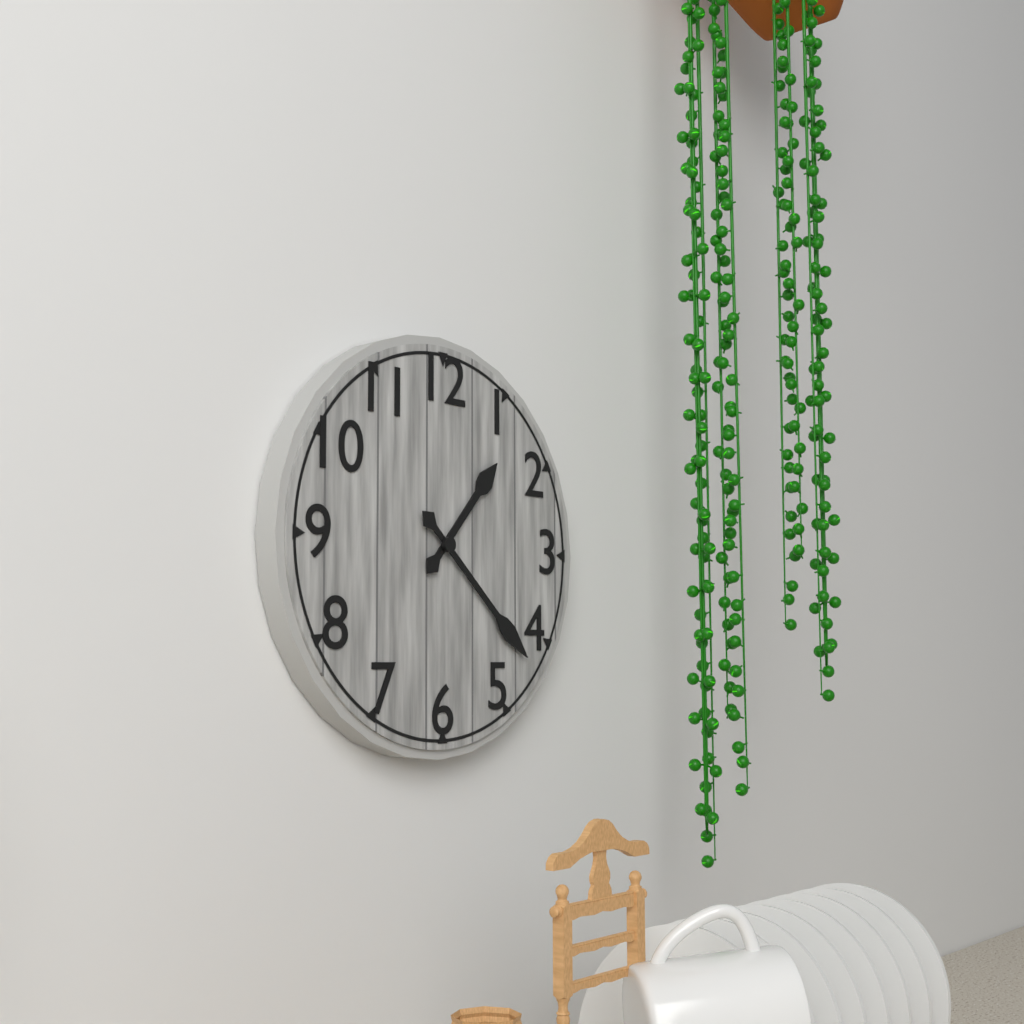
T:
**1:22**
